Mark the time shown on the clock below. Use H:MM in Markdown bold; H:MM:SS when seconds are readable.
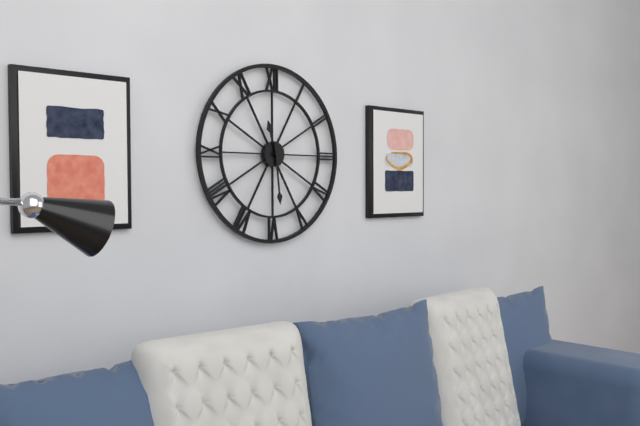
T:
**11:29**
